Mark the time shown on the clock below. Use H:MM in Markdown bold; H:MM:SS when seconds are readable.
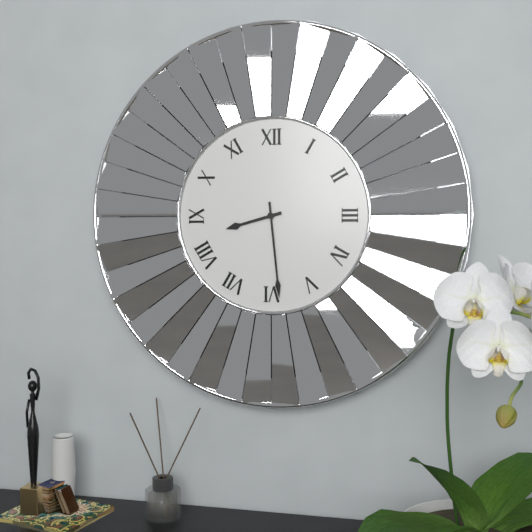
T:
**8:29**
